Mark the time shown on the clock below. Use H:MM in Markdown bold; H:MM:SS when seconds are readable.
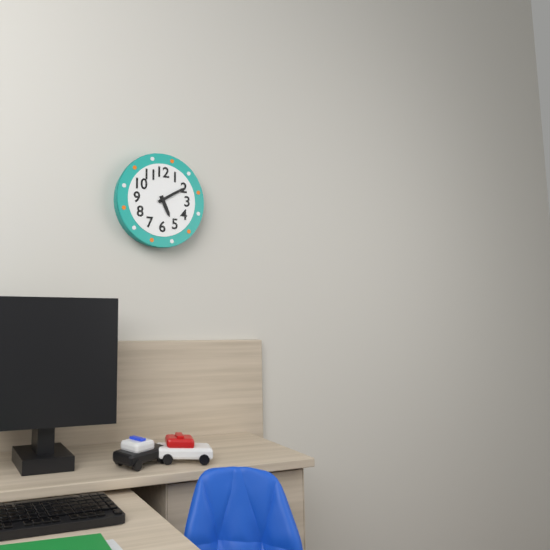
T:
**5:10**
